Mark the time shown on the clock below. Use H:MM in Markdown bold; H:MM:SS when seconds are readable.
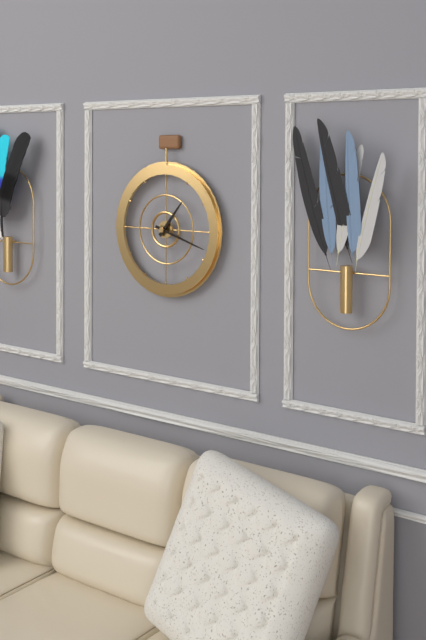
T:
**1:18**
